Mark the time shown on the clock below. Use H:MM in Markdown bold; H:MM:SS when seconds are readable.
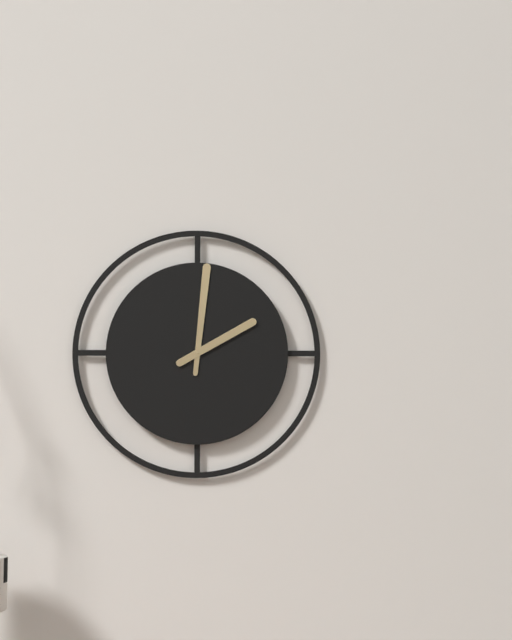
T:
**2:01**
